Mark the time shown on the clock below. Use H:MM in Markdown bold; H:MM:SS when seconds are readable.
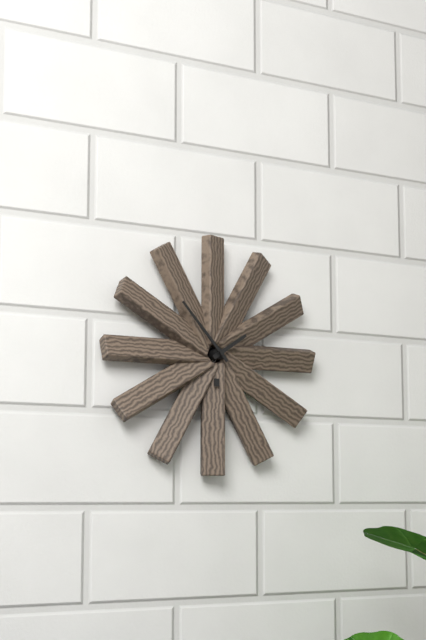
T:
**1:53**
